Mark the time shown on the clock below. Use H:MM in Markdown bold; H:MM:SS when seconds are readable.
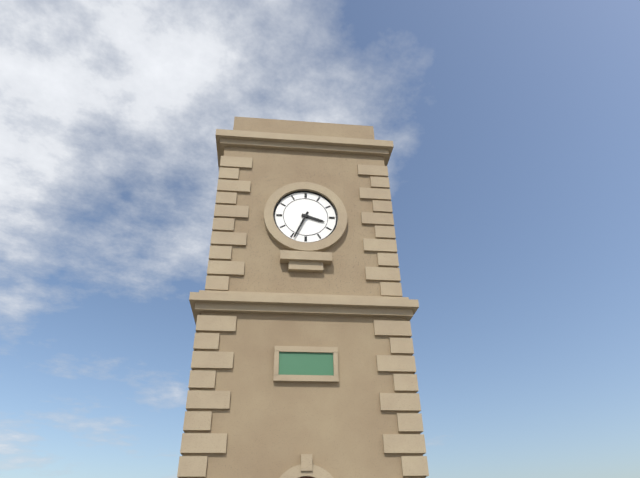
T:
**3:34**
